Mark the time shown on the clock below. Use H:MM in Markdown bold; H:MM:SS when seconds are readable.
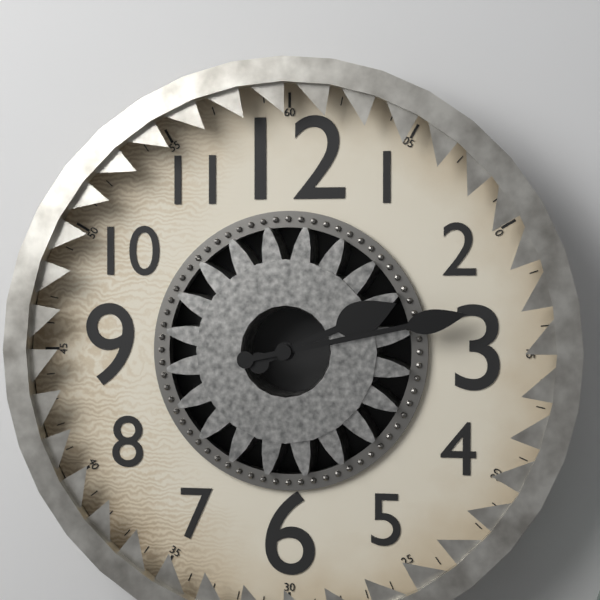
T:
**2:13**
